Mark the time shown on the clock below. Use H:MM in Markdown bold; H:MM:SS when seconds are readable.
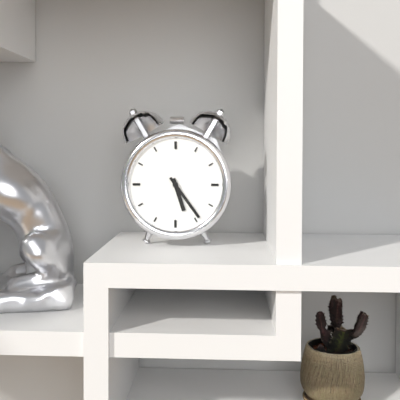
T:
**5:24**
